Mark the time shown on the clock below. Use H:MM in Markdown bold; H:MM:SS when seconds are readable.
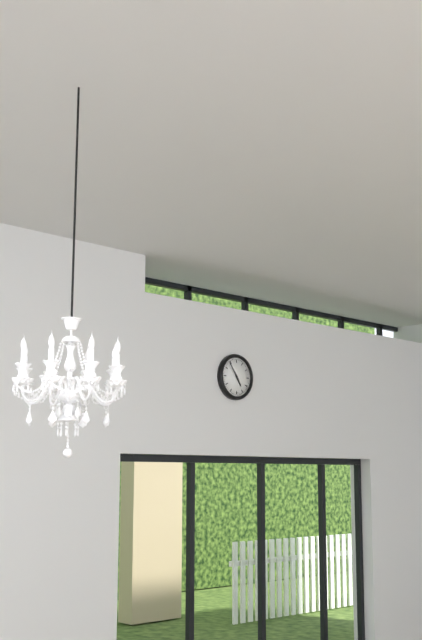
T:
**4:54**
